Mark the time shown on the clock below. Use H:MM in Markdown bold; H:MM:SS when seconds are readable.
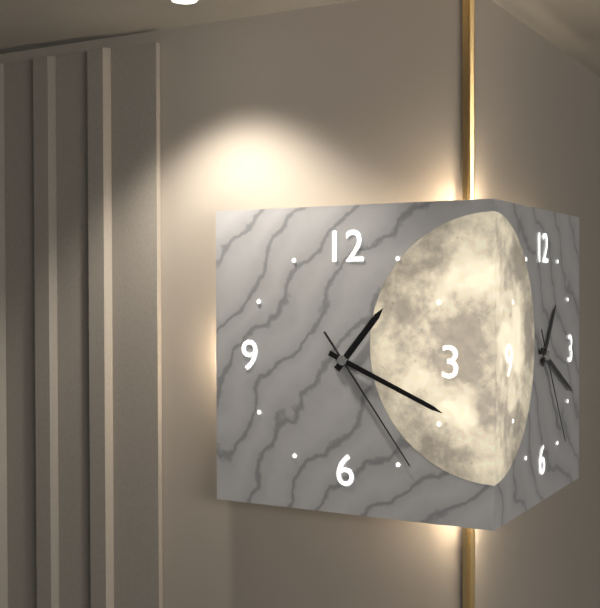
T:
**1:19:24**
